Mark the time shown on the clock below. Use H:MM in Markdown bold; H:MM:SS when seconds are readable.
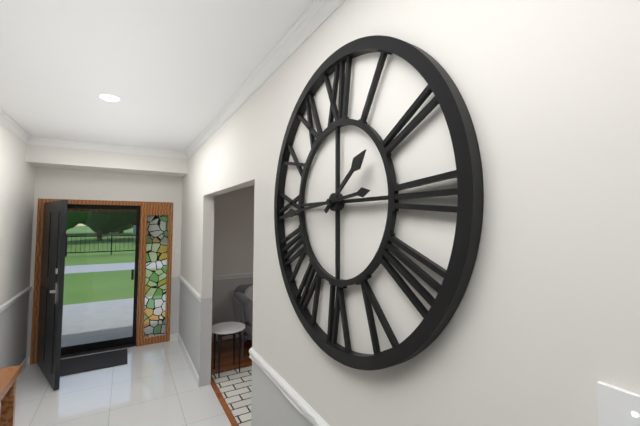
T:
**1:44**
